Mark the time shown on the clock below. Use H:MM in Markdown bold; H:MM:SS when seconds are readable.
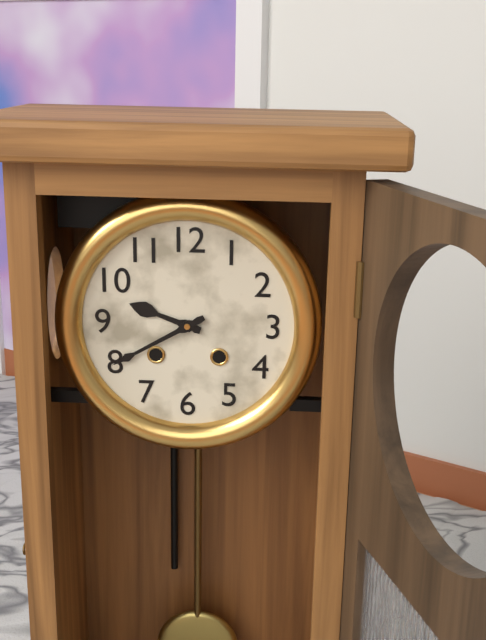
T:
**9:40**
